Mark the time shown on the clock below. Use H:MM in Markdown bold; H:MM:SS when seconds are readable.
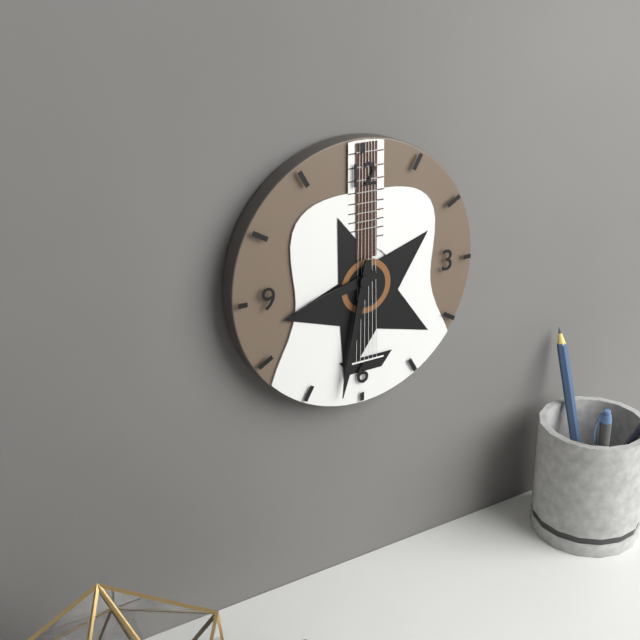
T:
**8:32**
